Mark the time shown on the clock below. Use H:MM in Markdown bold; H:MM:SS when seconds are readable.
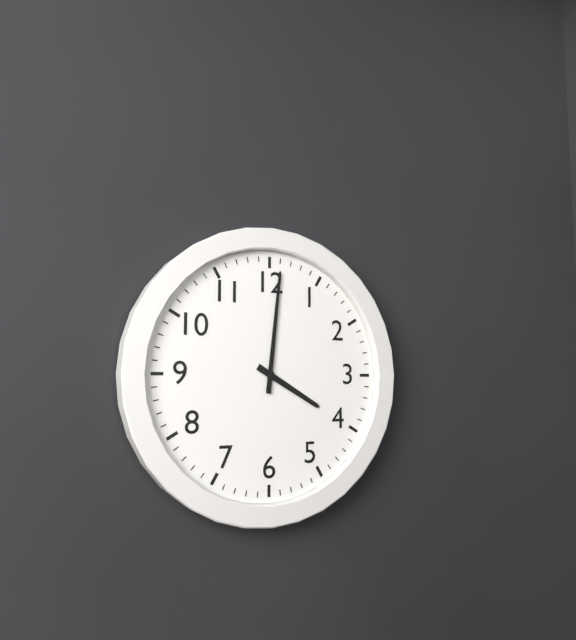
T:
**4:01**
